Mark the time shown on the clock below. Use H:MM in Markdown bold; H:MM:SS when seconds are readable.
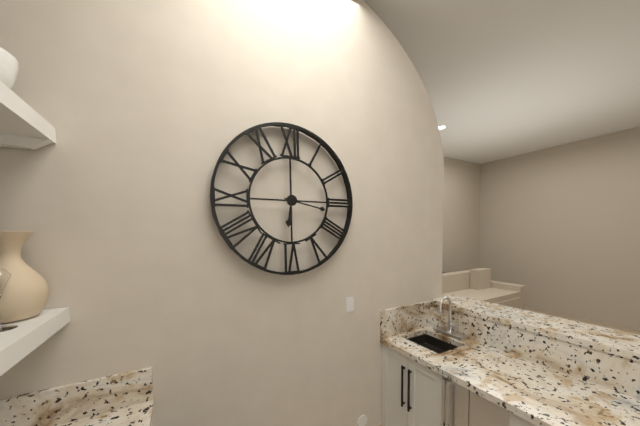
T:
**6:17**
